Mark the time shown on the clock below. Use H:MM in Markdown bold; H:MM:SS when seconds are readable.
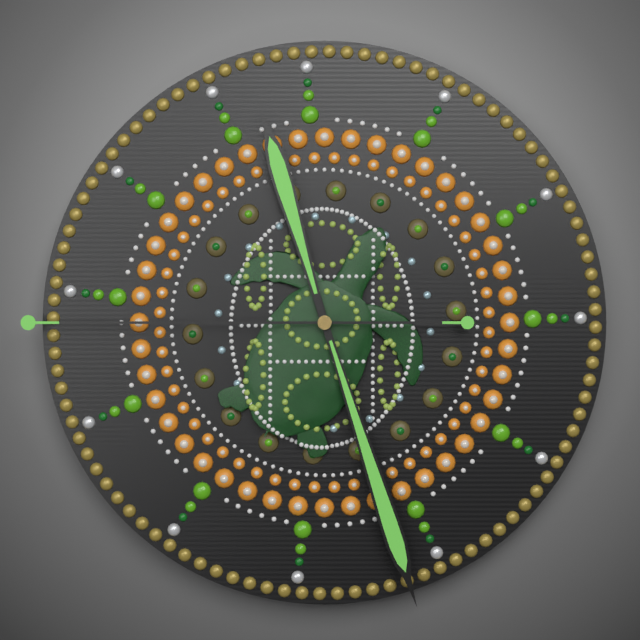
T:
**11:27:45**
